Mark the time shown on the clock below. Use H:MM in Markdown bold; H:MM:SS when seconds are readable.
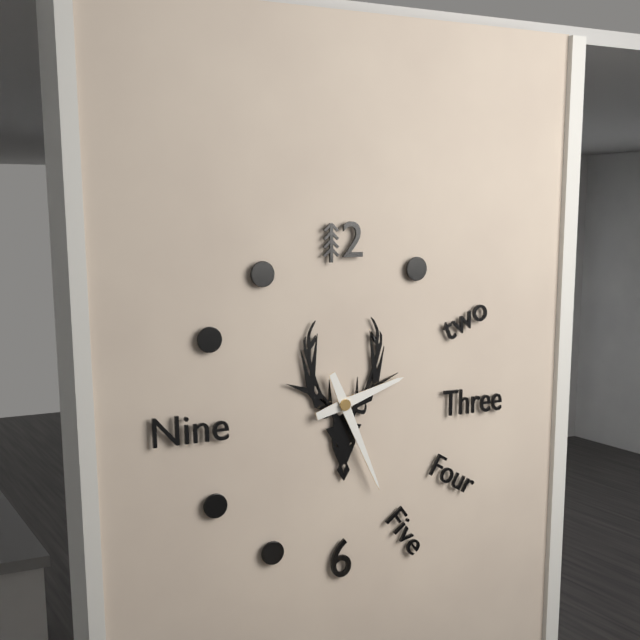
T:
**2:26**
